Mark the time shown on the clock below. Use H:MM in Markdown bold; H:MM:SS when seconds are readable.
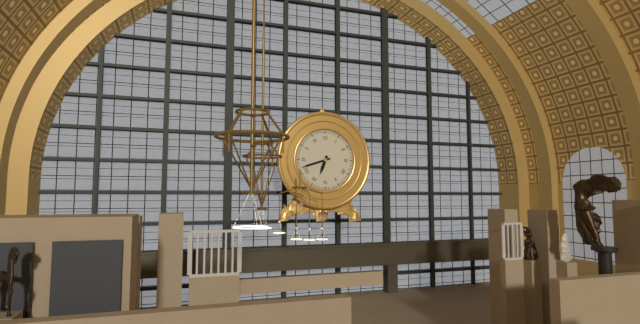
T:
**6:42**
